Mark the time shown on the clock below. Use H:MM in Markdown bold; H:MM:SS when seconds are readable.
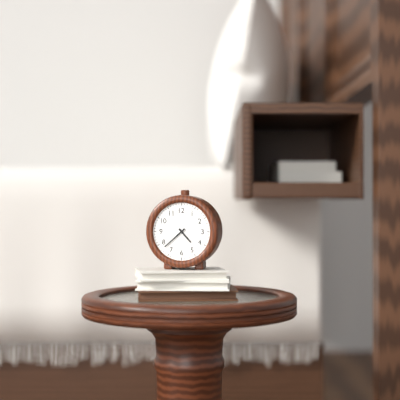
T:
**4:38**
